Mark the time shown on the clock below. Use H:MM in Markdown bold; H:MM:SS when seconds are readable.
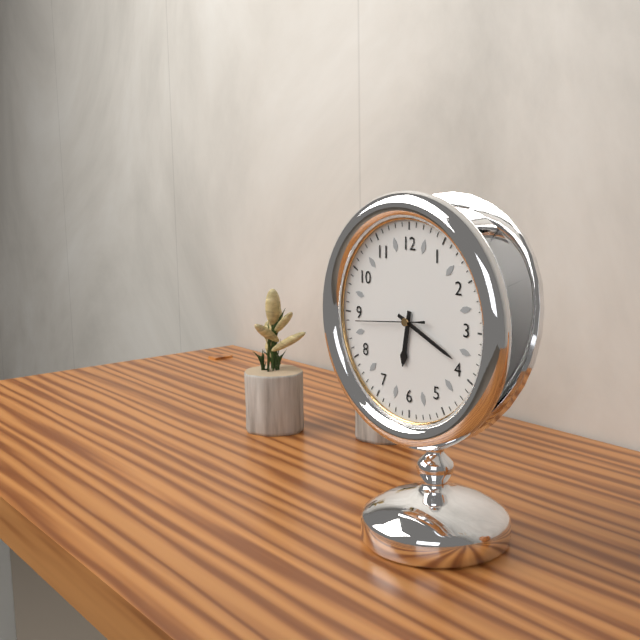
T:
**6:19:44**
